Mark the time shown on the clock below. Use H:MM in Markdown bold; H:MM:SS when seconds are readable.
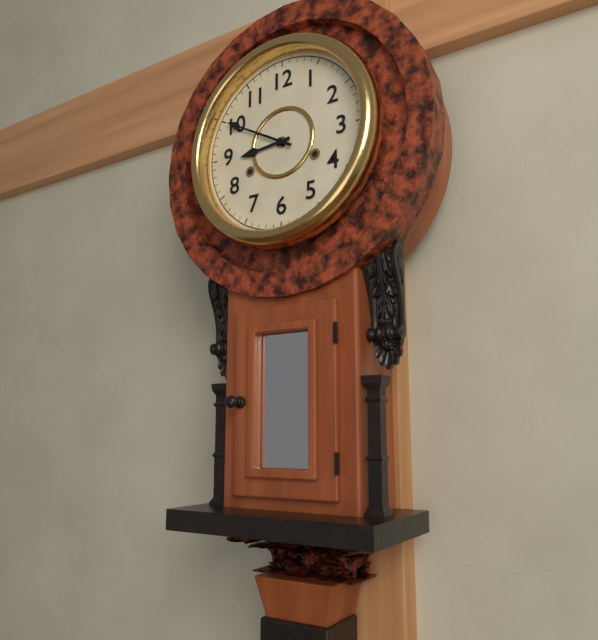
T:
**8:50**
